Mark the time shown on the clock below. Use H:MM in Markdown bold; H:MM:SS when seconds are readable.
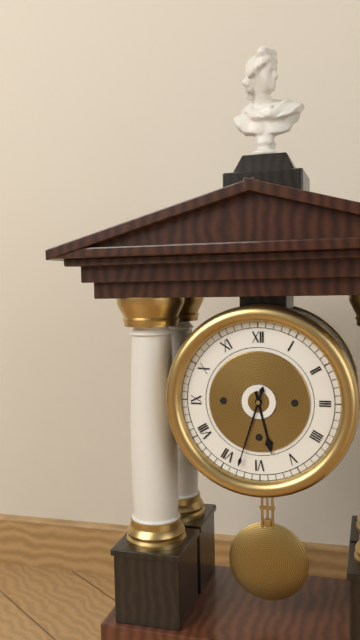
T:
**5:33**
